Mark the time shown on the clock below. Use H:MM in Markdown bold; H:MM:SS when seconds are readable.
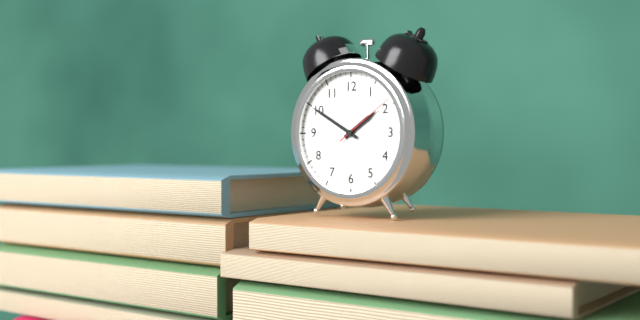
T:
**1:50:09**
